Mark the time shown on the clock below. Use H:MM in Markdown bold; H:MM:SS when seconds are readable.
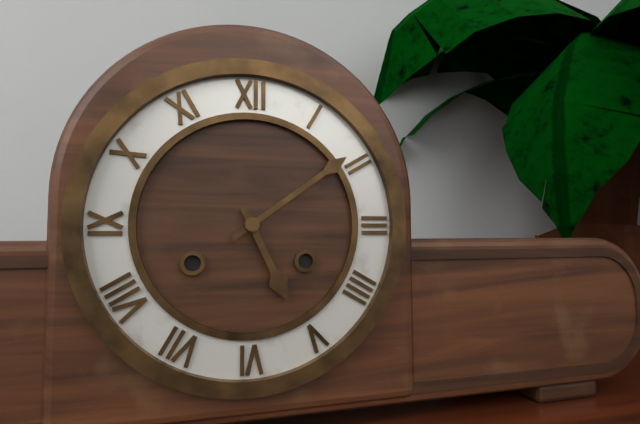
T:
**5:09**
